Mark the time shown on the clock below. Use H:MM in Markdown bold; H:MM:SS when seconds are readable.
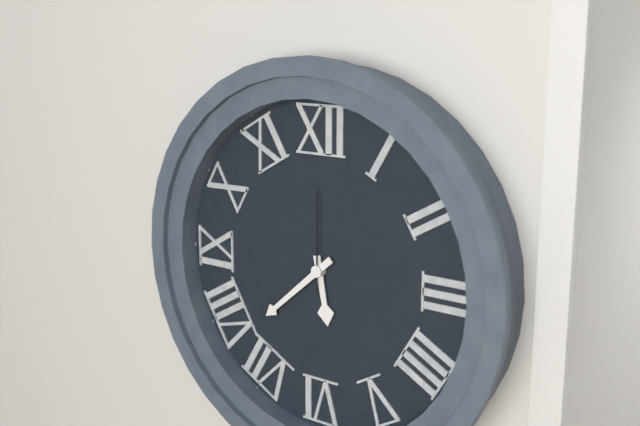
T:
**5:38:00**
